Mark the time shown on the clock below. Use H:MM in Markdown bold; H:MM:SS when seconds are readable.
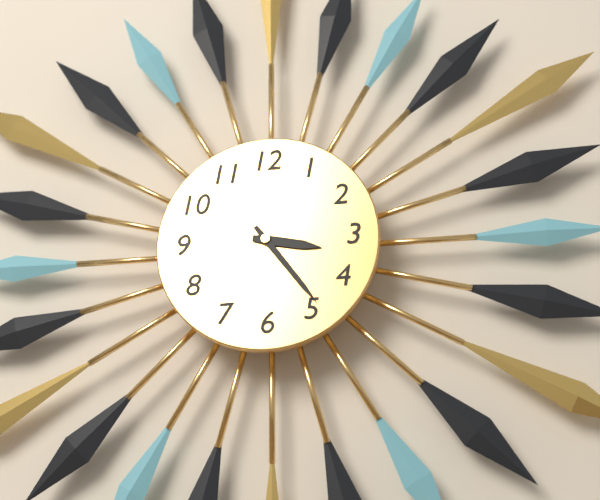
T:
**3:24**
